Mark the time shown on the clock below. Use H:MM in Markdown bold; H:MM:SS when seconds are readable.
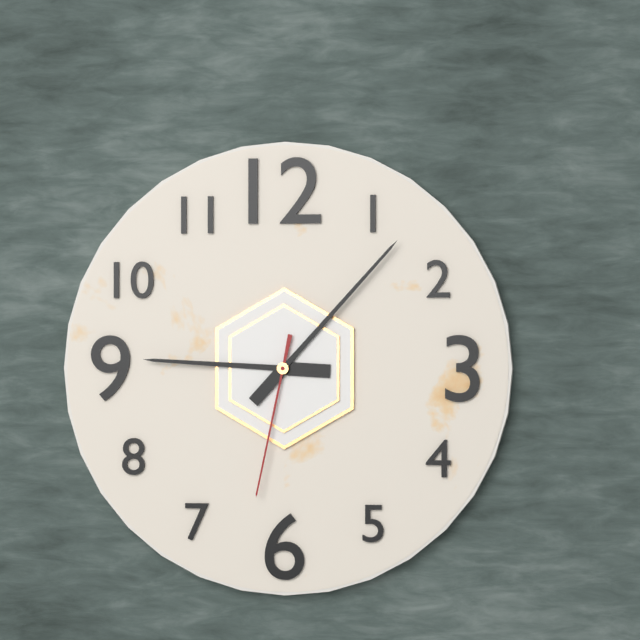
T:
**9:07:32**
